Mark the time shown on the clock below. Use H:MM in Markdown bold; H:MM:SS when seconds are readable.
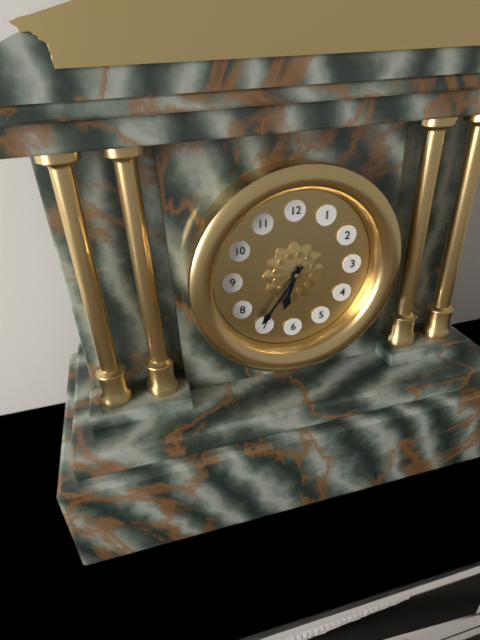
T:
**6:36**
